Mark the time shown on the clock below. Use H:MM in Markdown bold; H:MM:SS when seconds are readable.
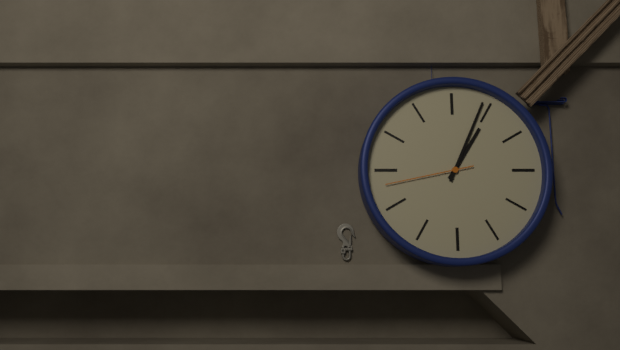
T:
**1:04:43**
